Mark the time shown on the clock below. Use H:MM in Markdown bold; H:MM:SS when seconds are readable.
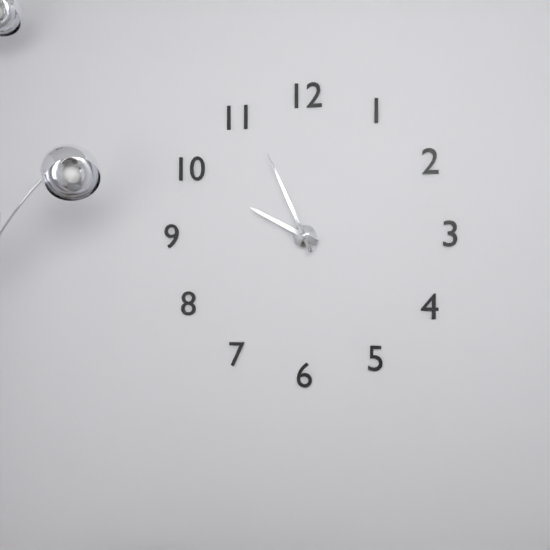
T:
**9:56**
